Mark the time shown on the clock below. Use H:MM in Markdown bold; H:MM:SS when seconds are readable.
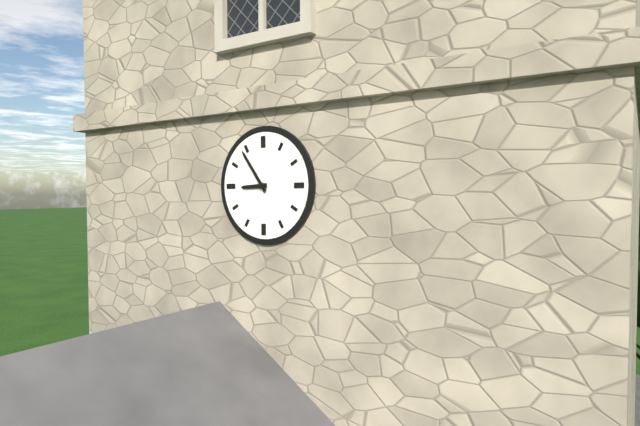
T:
**8:54**
